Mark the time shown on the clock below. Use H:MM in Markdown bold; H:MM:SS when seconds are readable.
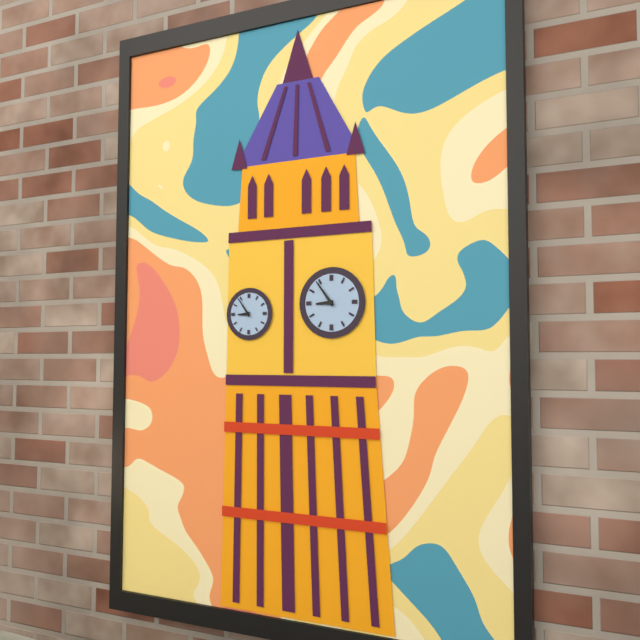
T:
**8:54**
